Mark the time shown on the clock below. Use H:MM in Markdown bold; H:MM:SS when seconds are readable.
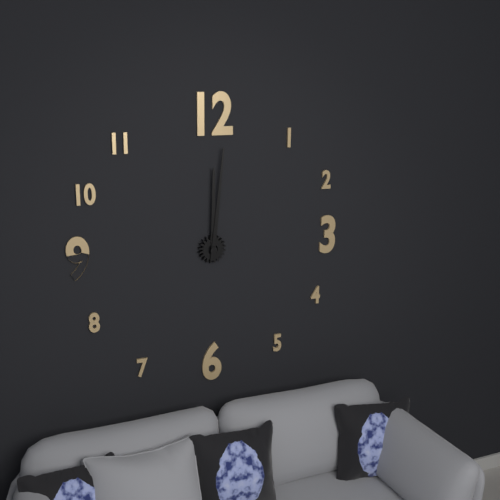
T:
**12:01**
